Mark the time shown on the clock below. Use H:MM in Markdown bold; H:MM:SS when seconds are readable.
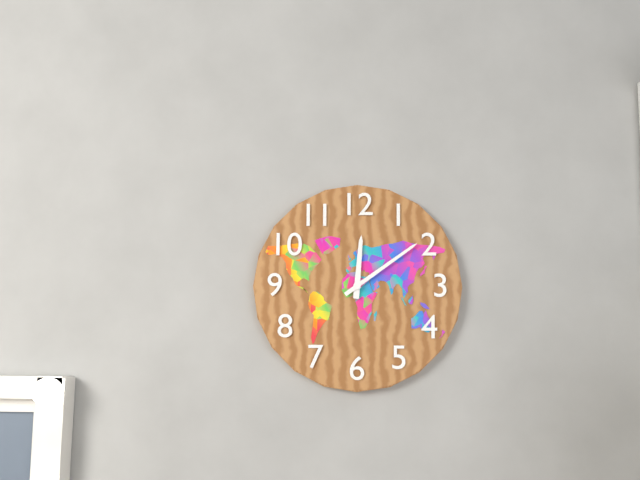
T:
**12:09**
